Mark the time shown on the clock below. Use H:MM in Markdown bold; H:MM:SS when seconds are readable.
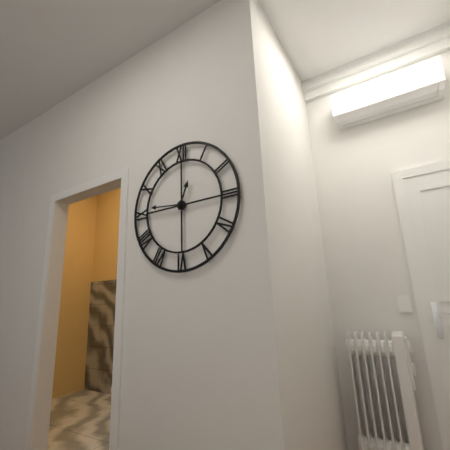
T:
**12:46**
